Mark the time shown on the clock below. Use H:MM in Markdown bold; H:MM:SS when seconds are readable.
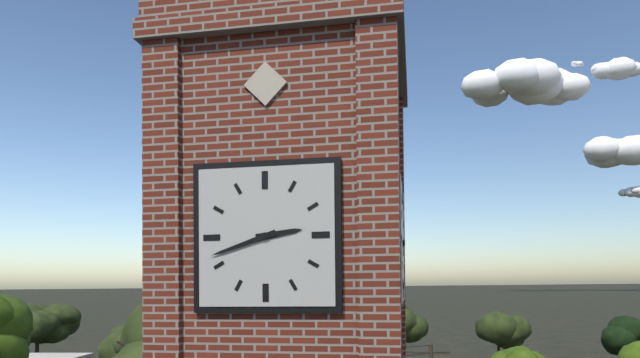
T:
**2:42**
